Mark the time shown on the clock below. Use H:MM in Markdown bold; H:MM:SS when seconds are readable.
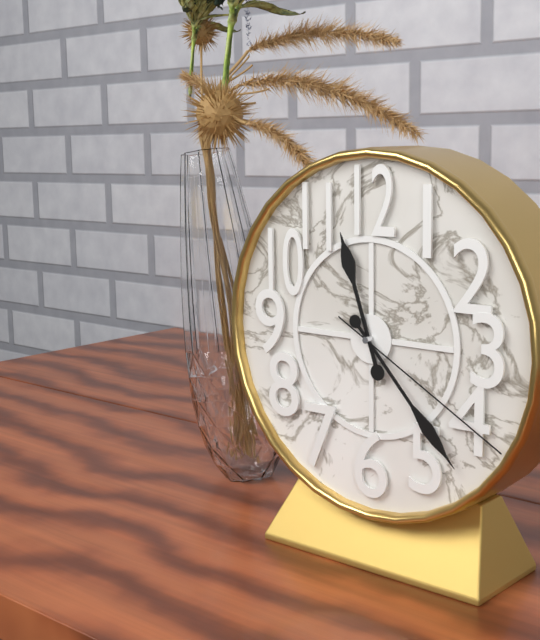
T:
**11:23:20**
